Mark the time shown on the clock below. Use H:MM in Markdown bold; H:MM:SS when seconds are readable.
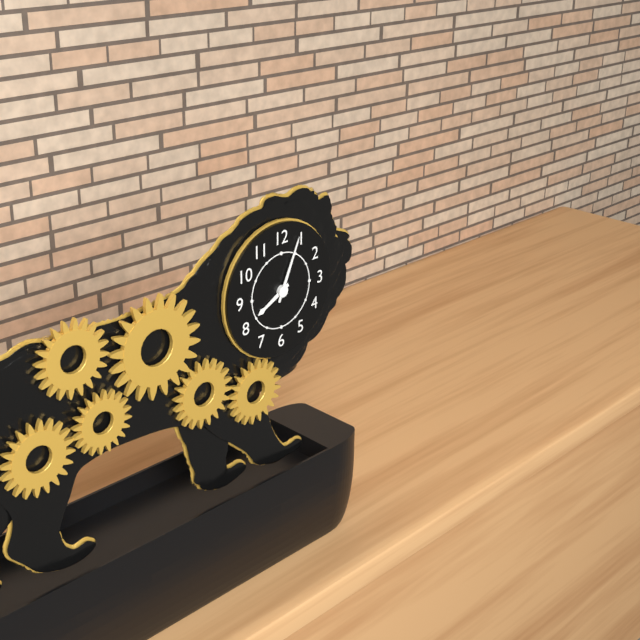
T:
**8:04**
